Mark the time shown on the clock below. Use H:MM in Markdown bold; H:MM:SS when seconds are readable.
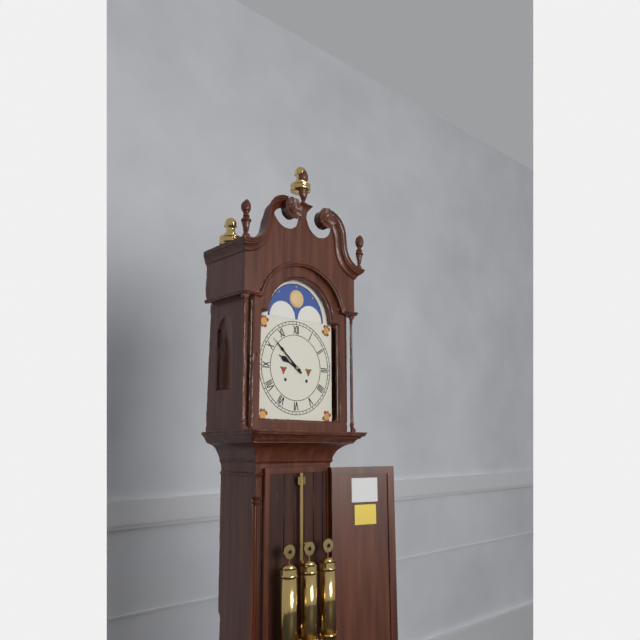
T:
**9:52**
